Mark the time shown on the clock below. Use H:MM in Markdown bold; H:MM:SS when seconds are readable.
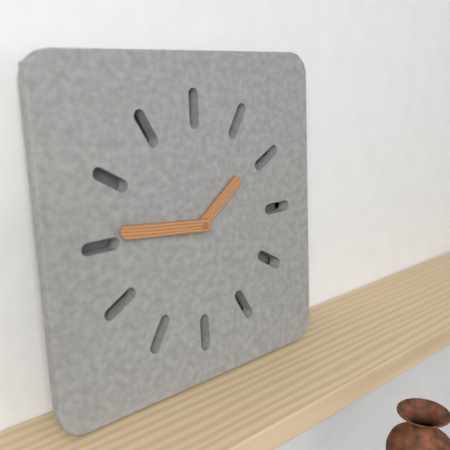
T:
**1:46**
